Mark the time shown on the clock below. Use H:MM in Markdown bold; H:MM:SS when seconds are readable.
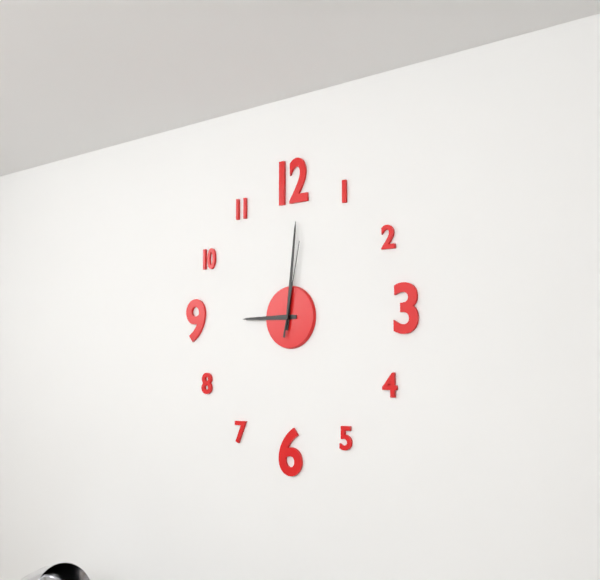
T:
**9:01:02**
